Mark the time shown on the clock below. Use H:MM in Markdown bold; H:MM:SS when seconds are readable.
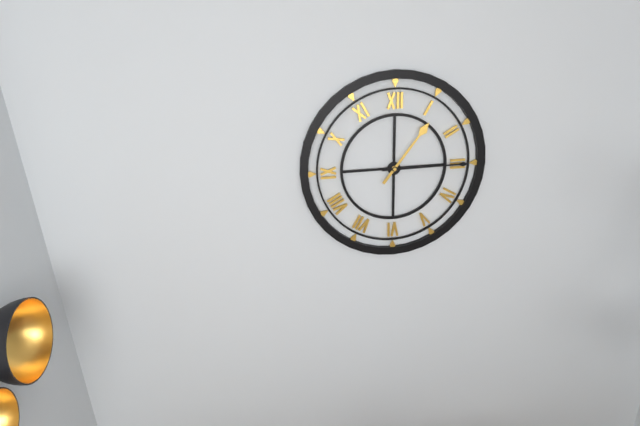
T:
**1:15**
